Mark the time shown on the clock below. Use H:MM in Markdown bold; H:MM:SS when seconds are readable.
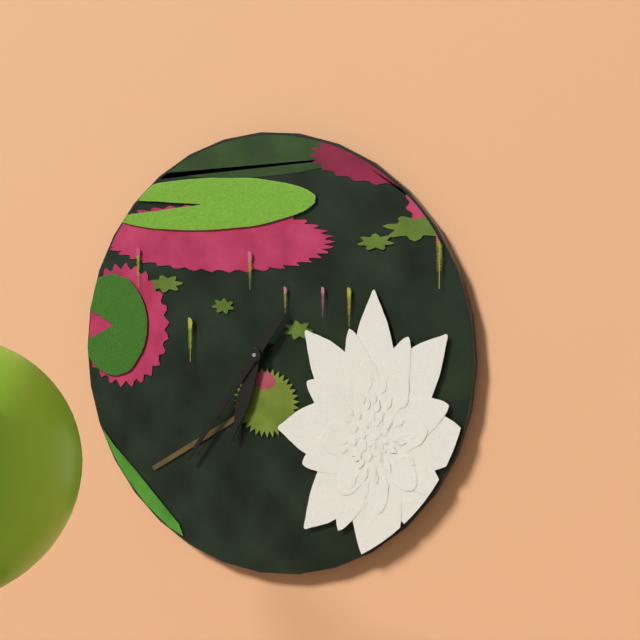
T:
**6:36**
